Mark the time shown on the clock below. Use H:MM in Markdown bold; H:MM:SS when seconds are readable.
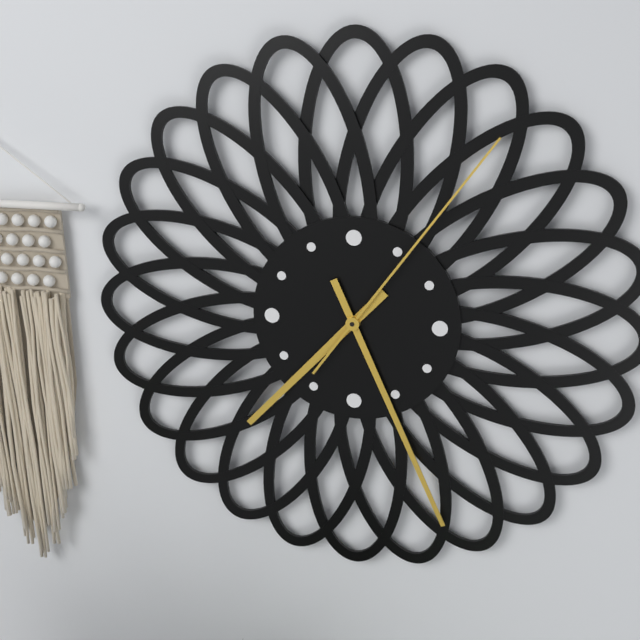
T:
**7:26:06**
